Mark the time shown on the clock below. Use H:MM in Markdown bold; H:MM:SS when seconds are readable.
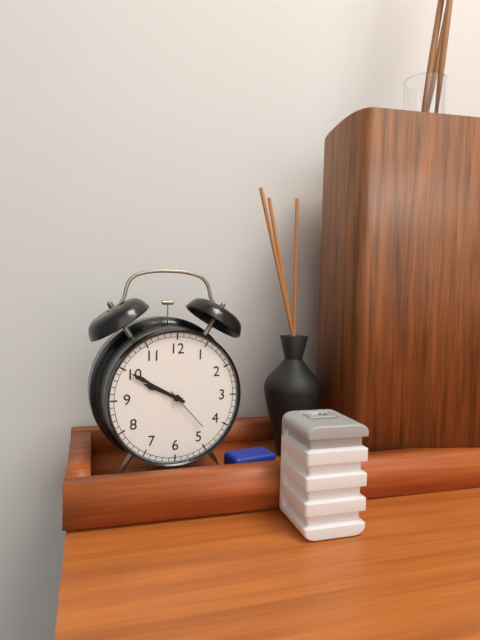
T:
**9:50**
